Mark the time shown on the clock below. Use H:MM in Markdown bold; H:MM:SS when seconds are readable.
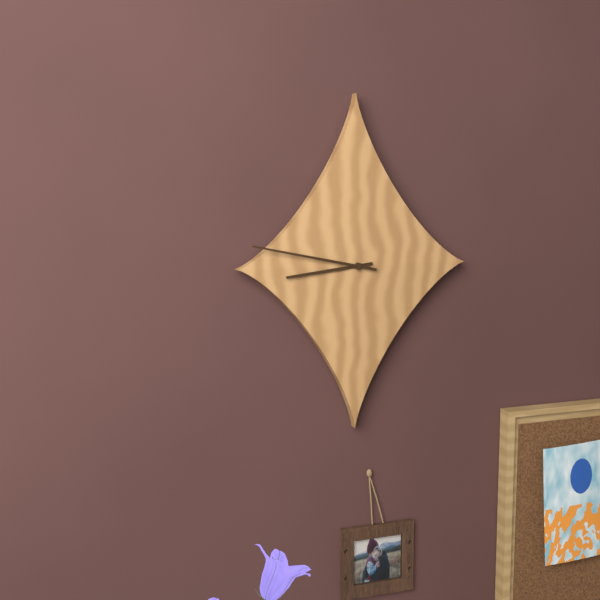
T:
**8:47**
